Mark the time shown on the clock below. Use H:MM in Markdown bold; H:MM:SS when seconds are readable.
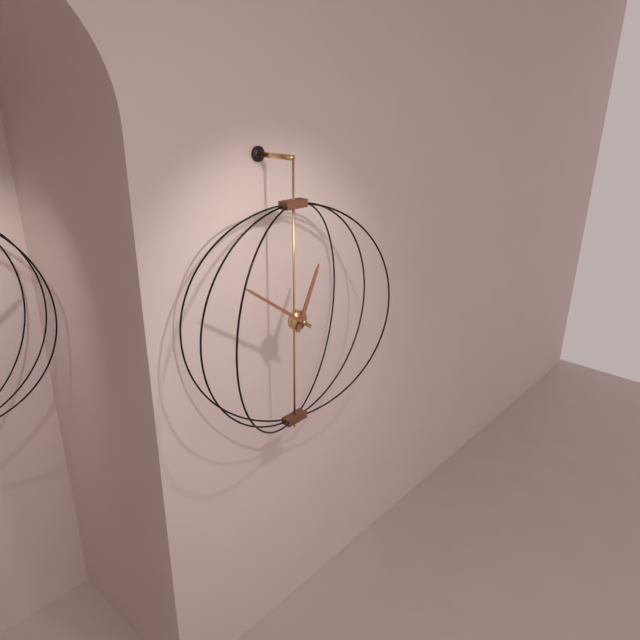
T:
**12:51**
